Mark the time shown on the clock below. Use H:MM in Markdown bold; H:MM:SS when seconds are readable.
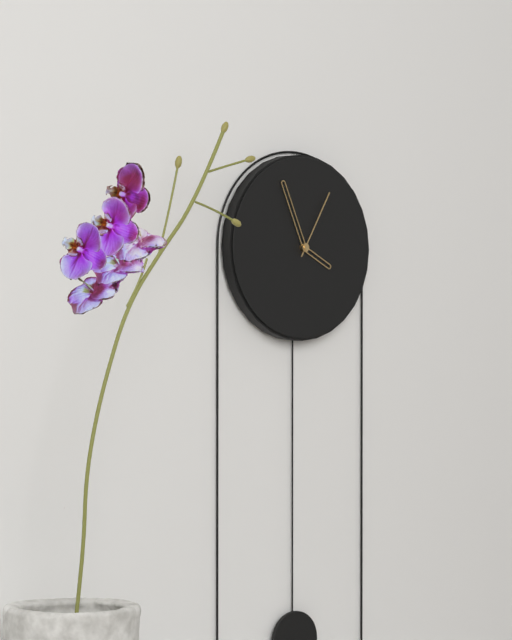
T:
**3:56:05**
